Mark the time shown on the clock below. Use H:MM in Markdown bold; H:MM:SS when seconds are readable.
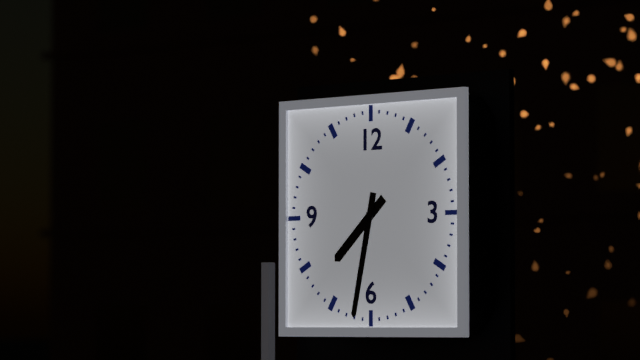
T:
**7:32**
